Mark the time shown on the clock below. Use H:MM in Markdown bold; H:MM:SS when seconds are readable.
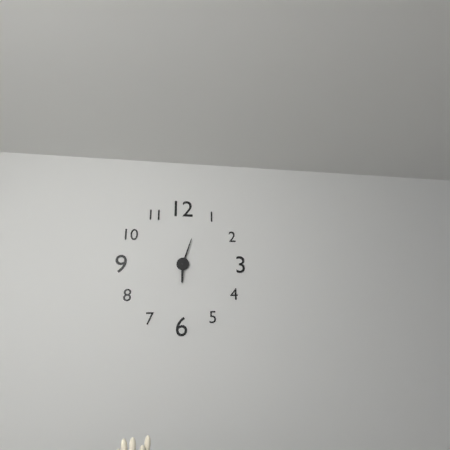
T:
**6:03**
